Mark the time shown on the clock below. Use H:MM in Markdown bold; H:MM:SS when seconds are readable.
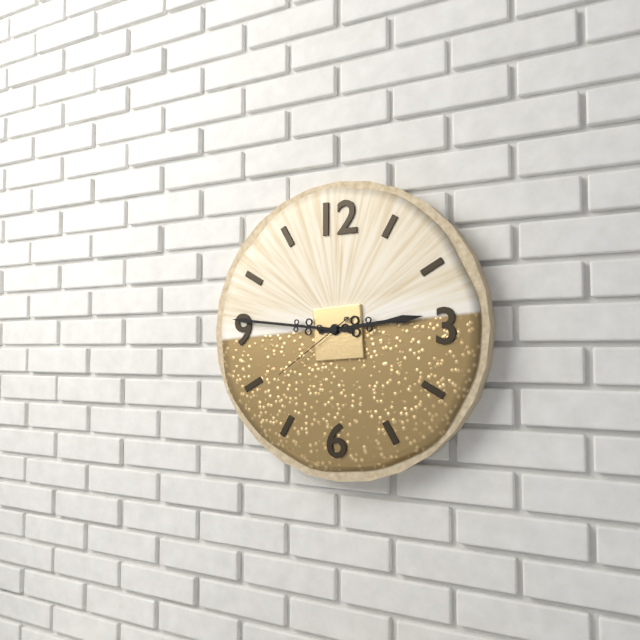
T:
**2:46:39**
